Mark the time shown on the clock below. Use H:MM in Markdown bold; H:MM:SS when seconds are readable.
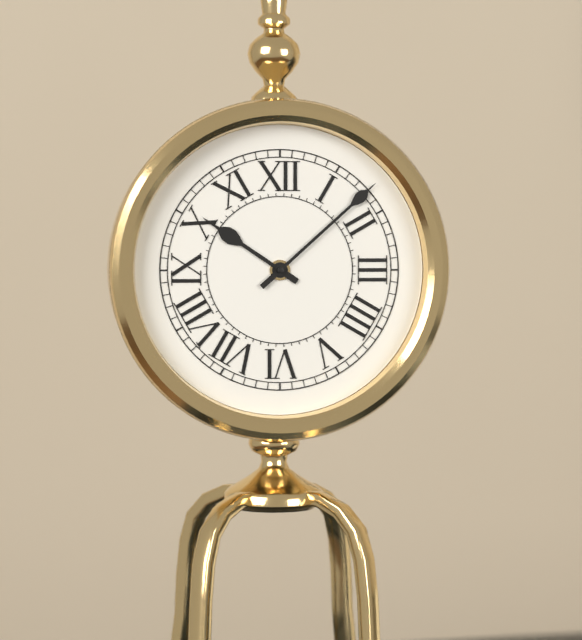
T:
**10:08**
